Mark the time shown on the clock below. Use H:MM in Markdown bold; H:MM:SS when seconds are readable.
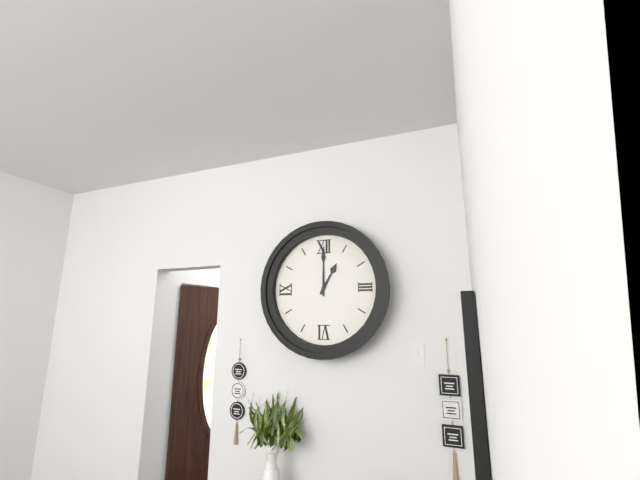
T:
**1:00**
